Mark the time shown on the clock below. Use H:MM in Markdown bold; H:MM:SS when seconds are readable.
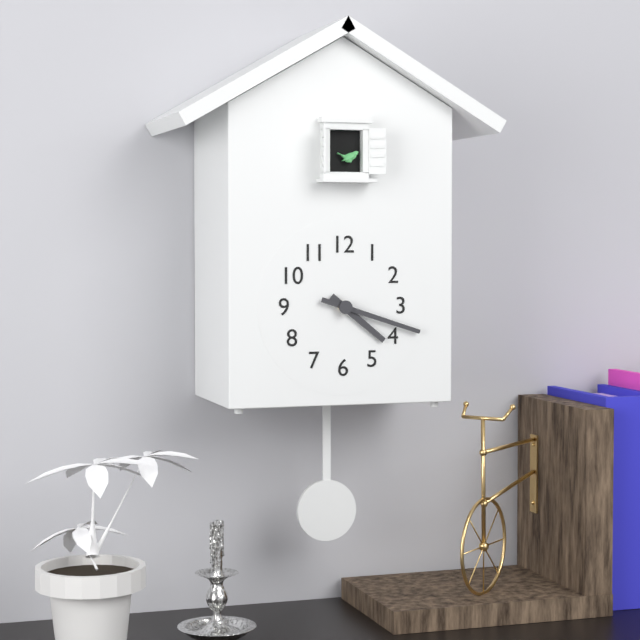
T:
**4:18**
